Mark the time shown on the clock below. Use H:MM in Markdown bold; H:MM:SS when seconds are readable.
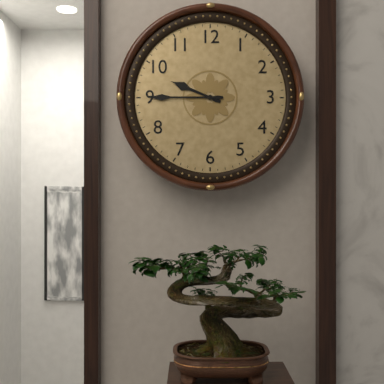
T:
**9:45**
